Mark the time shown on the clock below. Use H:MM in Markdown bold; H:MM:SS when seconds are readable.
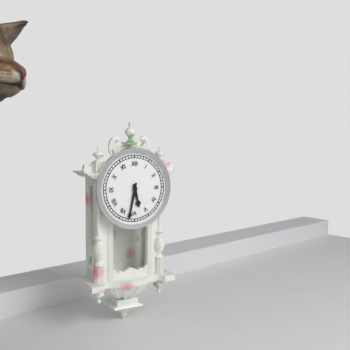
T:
**5:32**
